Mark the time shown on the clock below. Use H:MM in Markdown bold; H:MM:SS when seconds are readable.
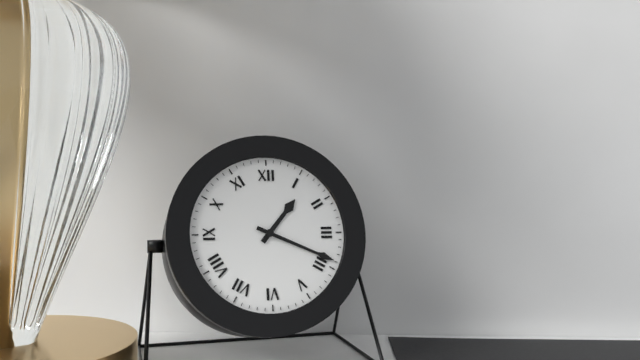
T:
**1:19**
